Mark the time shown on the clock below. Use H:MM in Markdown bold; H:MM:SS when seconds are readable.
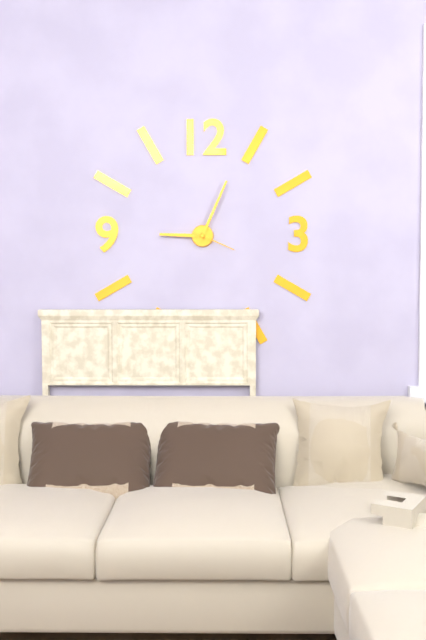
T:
**9:04**
